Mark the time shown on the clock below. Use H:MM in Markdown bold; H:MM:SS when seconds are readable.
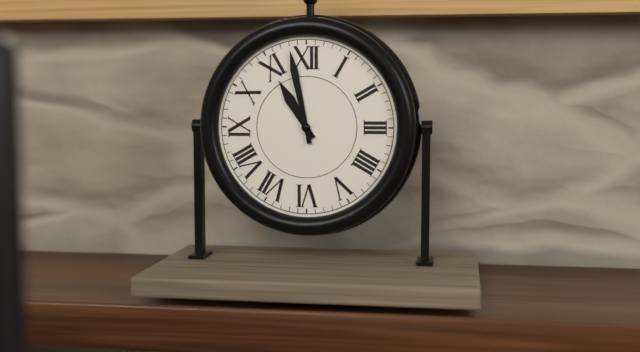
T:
**10:58**
